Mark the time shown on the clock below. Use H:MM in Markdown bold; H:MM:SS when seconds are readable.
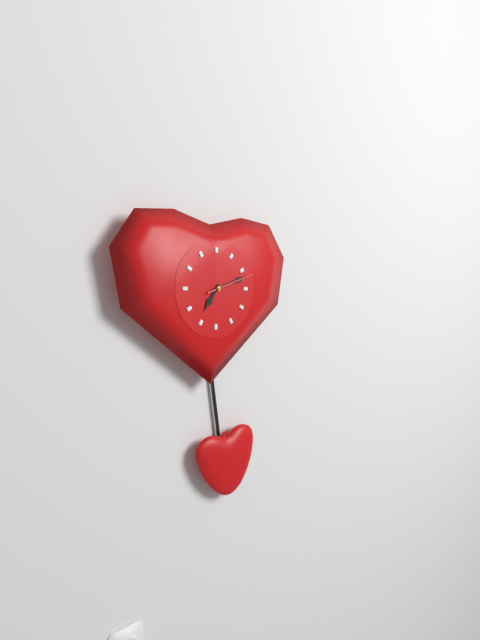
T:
**7:12**
